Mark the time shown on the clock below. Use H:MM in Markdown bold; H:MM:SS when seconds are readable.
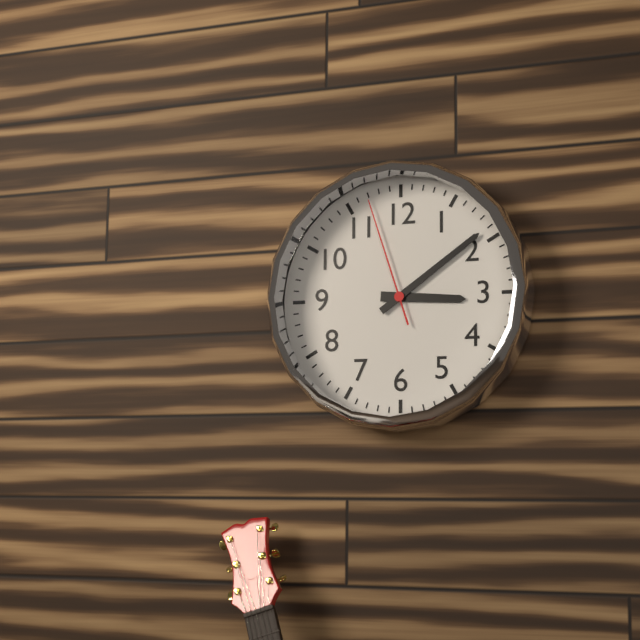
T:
**3:09:57**
